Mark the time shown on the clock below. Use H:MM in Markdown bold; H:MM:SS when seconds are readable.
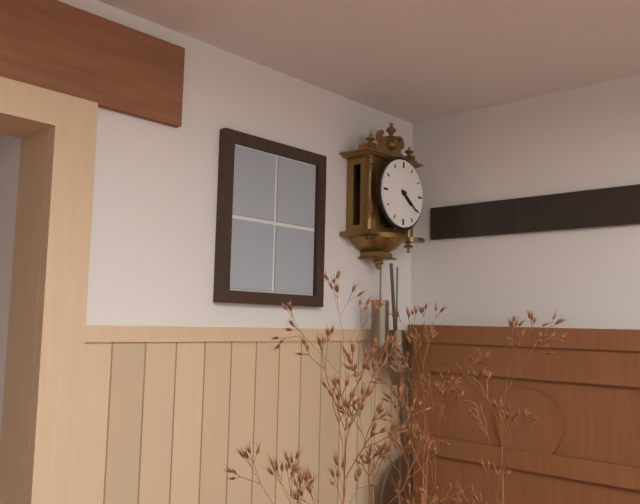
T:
**4:21**
